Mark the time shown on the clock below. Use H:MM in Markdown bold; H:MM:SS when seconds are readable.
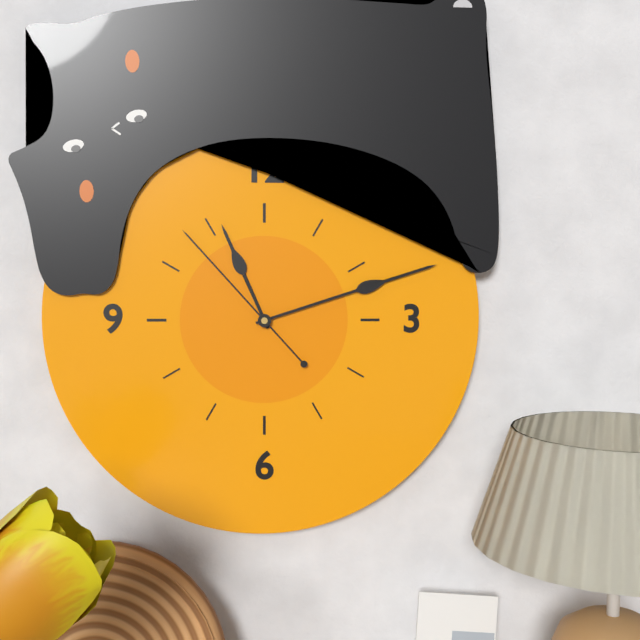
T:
**11:12:53**
